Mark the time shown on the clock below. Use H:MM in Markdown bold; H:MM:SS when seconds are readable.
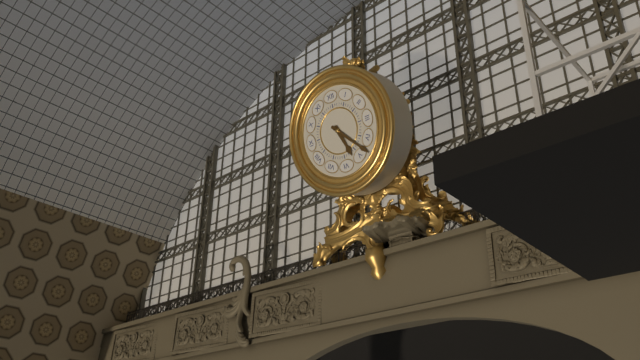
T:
**5:23**
